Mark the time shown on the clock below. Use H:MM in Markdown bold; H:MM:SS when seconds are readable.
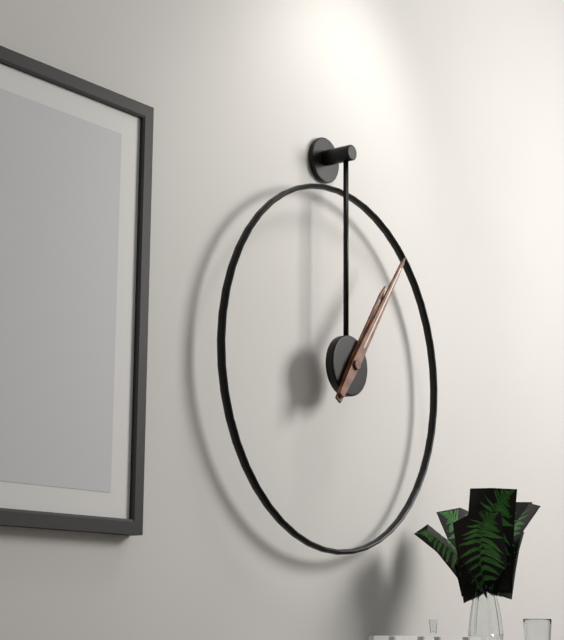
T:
**1:06**
